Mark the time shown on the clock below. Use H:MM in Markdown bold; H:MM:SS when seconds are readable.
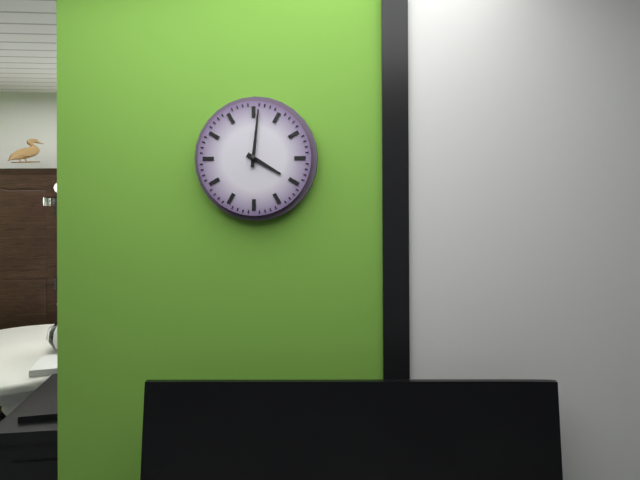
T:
**4:01**
